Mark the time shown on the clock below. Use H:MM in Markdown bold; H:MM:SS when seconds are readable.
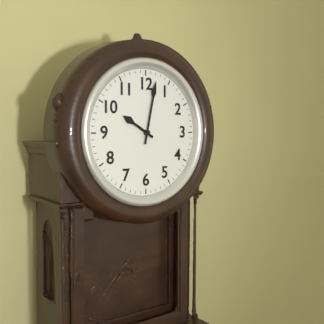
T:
**10:02**
